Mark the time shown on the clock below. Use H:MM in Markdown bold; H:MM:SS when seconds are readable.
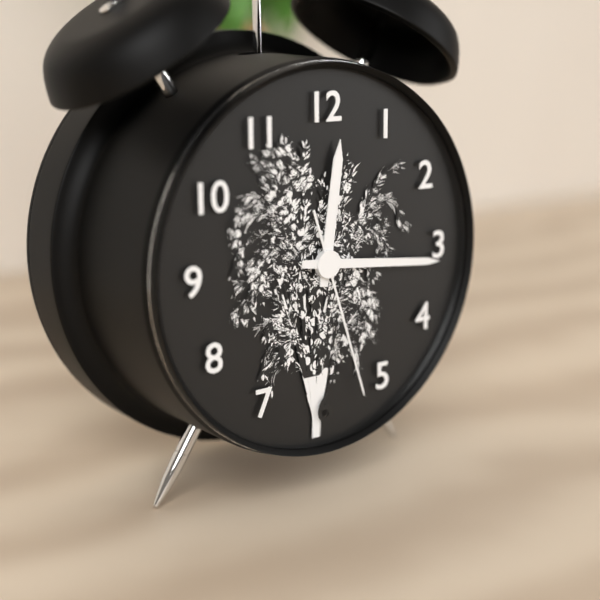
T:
**12:16:27**
